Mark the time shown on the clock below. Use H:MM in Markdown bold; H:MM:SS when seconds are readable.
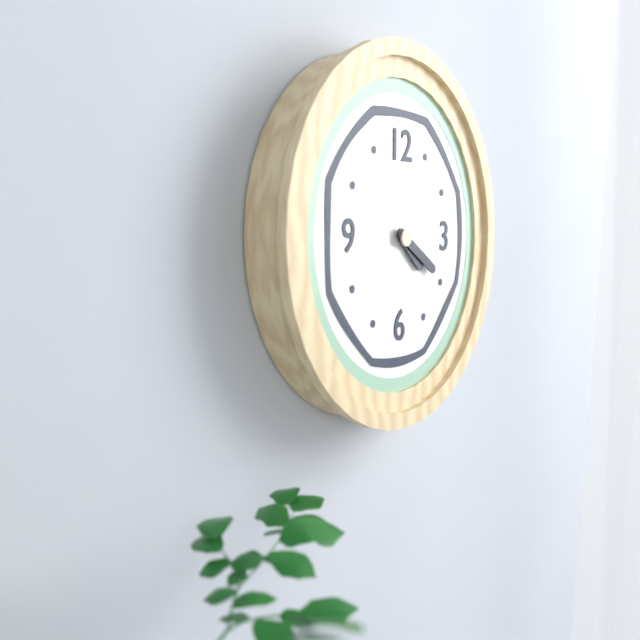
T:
**4:20**
